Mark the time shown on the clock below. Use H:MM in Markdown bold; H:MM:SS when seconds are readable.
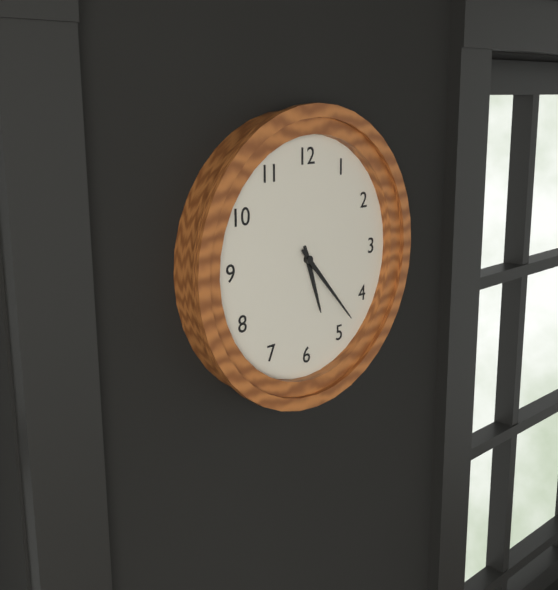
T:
**5:23**
